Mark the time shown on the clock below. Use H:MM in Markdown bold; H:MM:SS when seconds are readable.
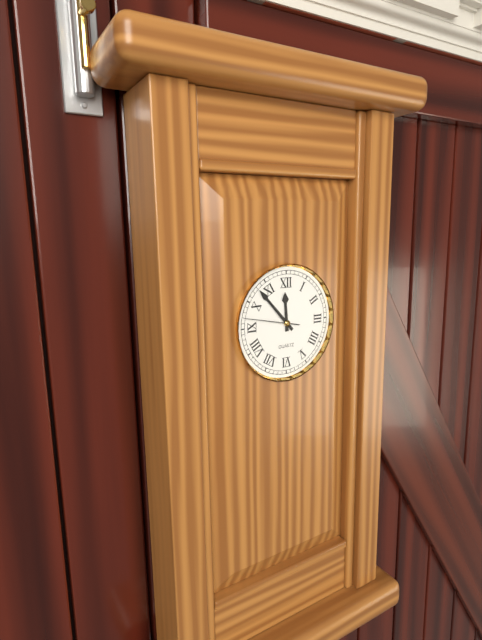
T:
**11:53:47**
